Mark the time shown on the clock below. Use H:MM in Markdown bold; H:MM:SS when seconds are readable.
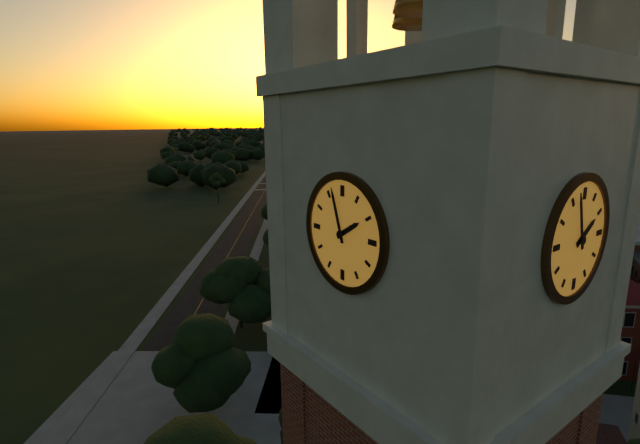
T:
**1:57**
